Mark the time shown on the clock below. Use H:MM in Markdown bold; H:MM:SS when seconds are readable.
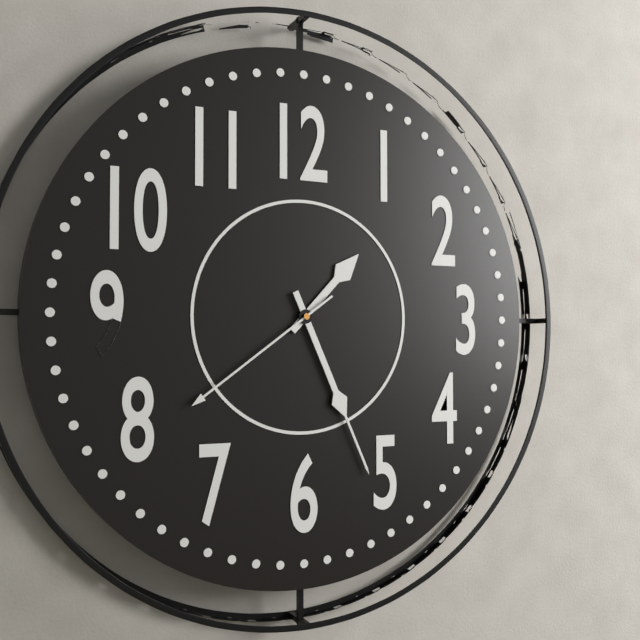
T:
**1:26:39**
